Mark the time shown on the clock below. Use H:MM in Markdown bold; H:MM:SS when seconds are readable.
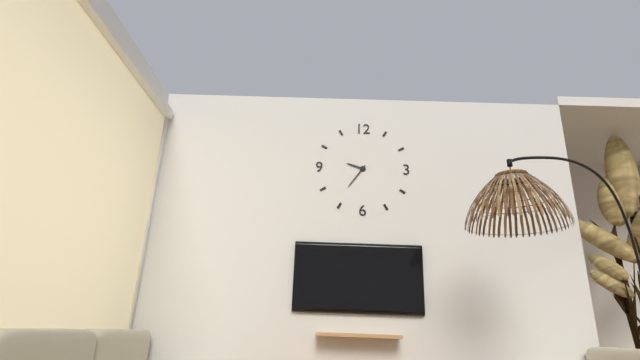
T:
**9:36**
